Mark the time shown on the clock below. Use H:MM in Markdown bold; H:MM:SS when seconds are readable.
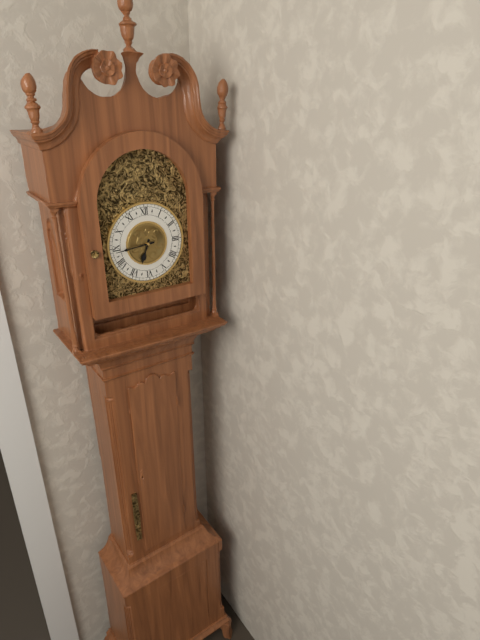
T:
**6:44**
